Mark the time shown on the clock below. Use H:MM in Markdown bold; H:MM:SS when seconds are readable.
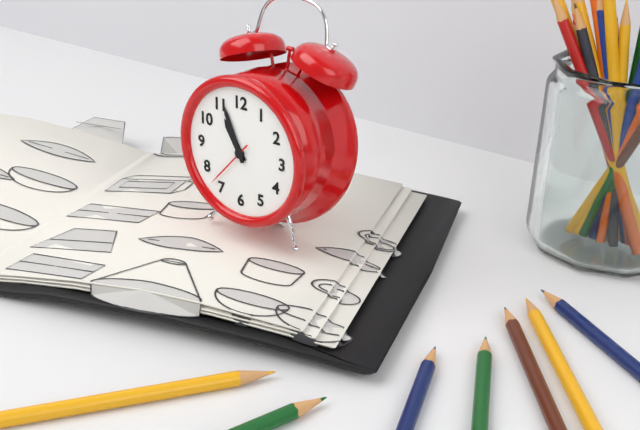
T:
**10:56:37**
